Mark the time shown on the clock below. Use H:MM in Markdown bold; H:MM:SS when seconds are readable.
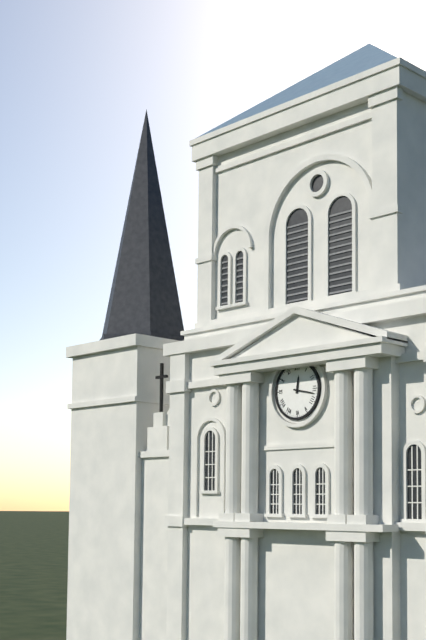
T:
**12:17**
